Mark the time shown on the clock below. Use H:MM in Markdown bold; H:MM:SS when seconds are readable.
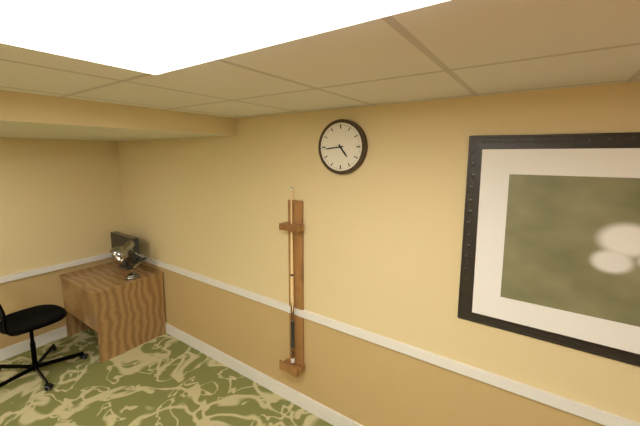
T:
**4:44**
